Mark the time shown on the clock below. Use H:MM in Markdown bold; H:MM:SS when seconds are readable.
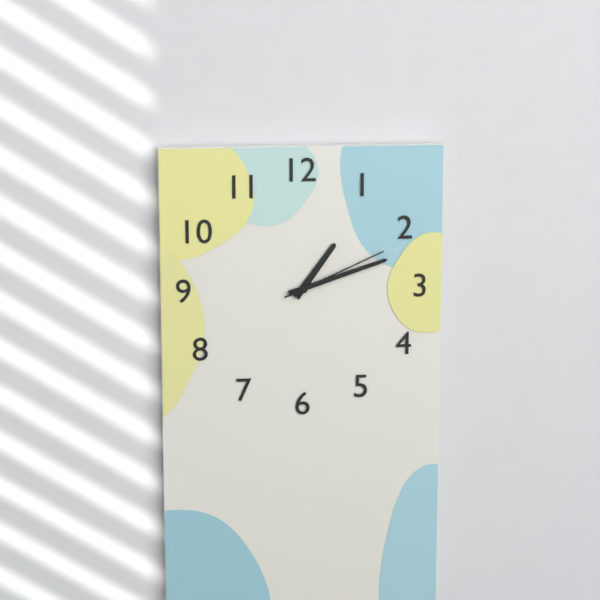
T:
**1:12:11**
